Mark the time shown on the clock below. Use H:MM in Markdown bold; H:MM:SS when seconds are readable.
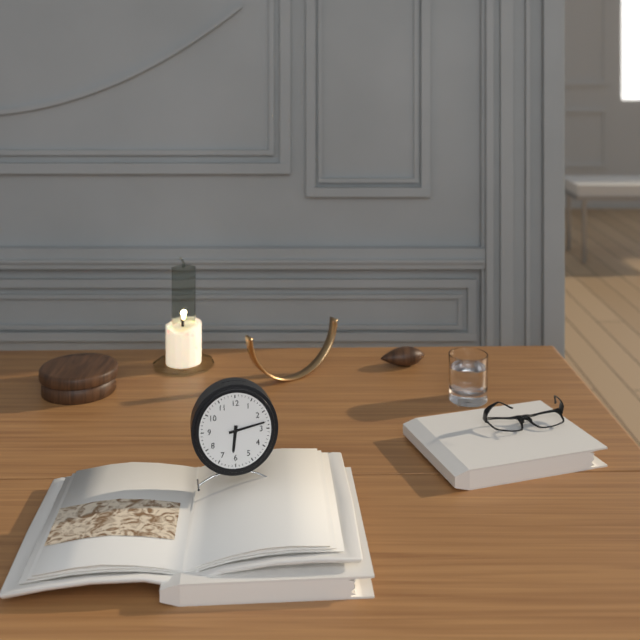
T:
**6:13**
